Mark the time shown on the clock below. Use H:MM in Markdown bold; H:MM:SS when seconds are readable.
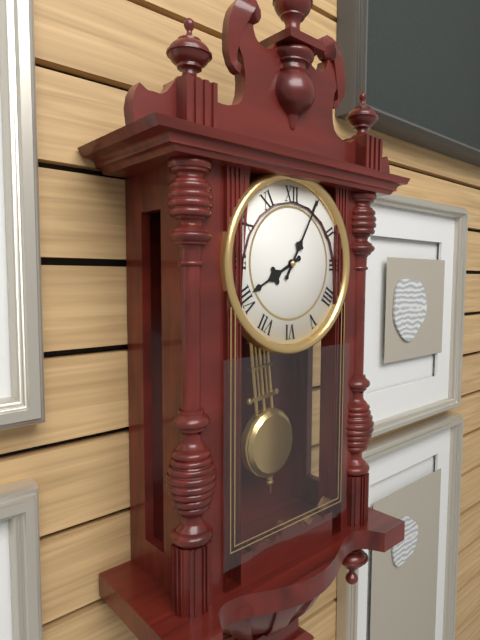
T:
**8:05**
